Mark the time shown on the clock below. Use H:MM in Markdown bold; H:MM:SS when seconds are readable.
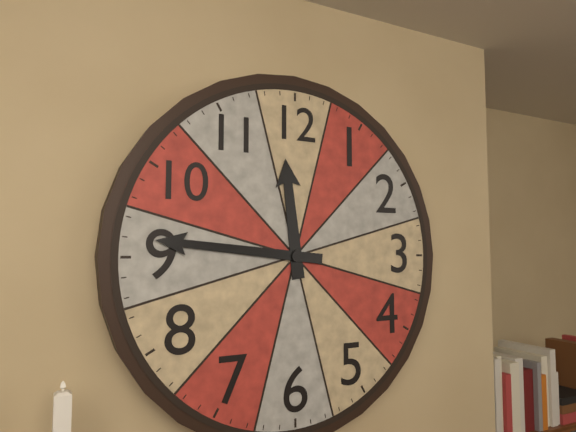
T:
**11:46**
